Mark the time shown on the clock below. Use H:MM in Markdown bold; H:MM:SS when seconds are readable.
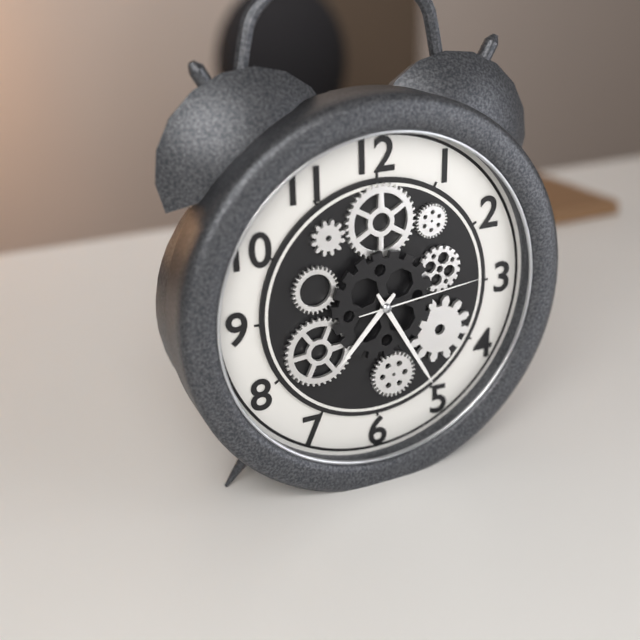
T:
**7:25:14**
